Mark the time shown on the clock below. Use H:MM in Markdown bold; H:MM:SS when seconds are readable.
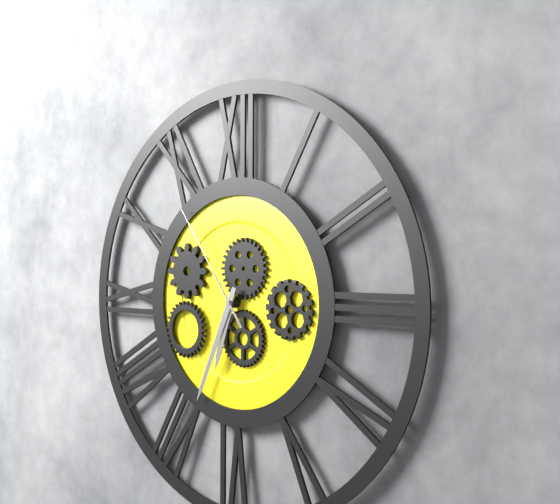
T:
**6:34:54**
